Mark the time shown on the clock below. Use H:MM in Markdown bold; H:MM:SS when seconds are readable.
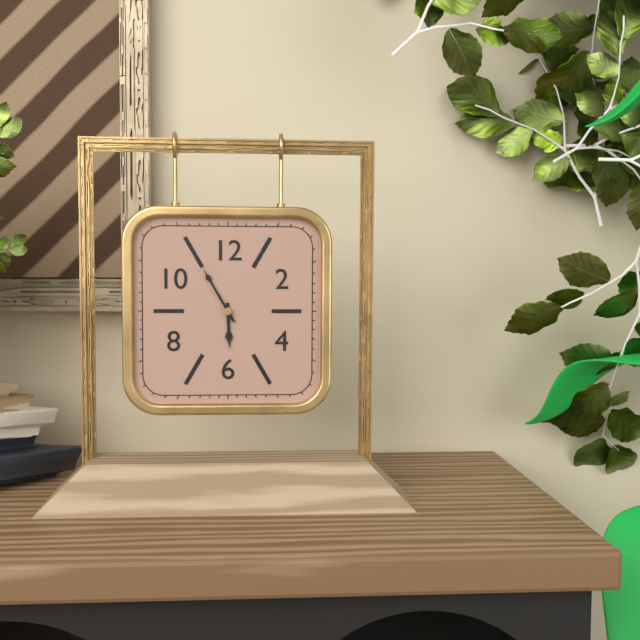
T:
**5:55**
